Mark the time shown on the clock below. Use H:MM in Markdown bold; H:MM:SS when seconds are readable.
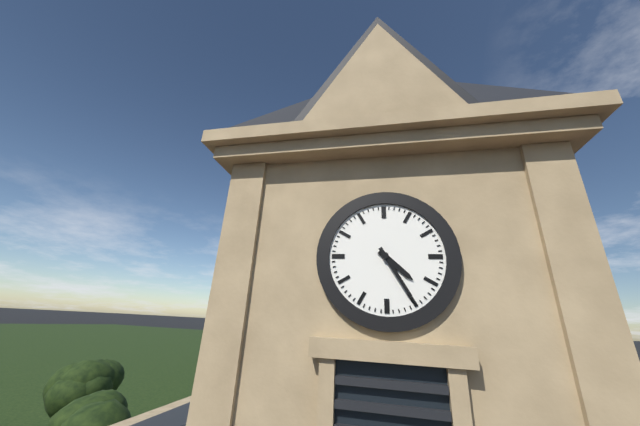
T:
**4:25**
